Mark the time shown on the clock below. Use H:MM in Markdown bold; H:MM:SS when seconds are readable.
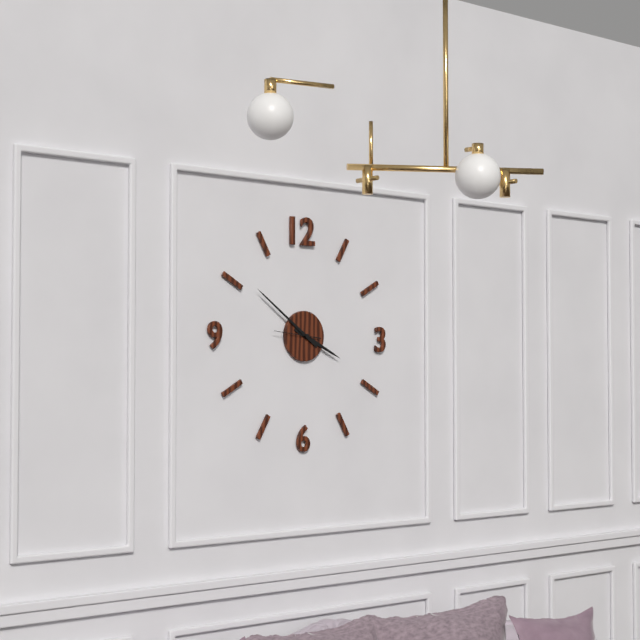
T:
**3:51**
